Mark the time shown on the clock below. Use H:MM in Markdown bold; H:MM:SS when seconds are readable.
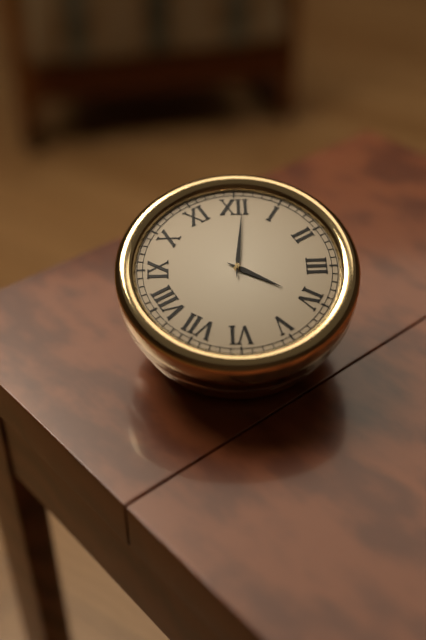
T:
**4:01**
